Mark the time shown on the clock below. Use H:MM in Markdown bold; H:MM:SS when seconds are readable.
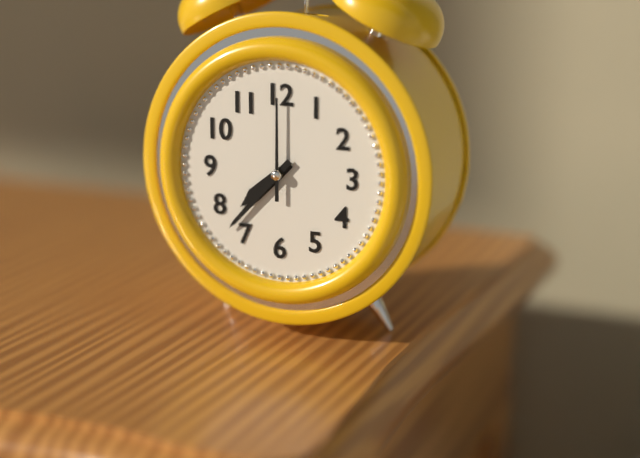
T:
**7:37:00**
